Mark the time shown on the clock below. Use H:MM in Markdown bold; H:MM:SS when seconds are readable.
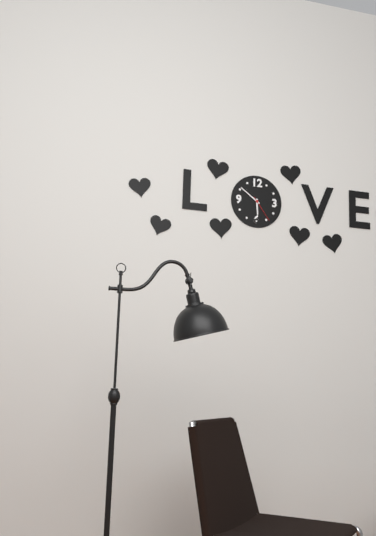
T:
**5:51**
